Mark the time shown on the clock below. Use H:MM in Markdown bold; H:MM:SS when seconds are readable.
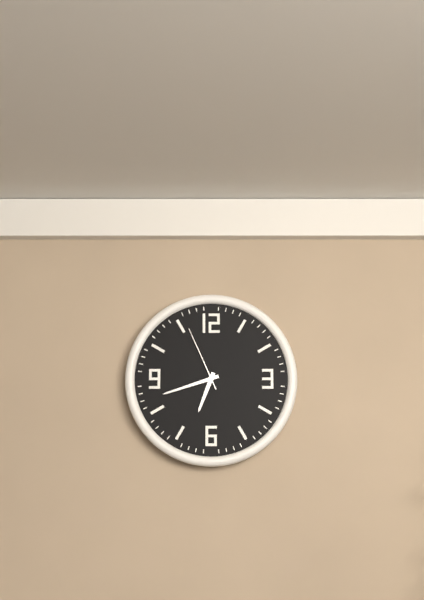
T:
**6:42:56**
